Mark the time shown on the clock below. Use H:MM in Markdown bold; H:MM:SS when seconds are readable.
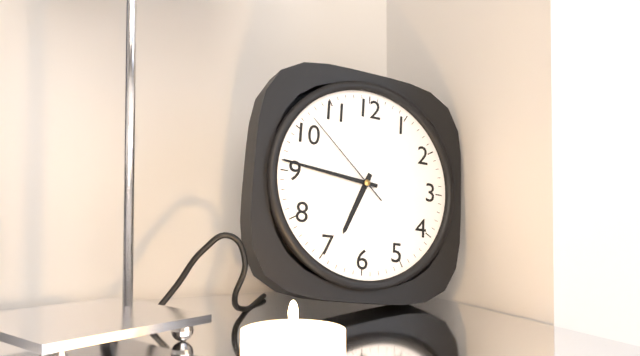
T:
**6:46:52**
